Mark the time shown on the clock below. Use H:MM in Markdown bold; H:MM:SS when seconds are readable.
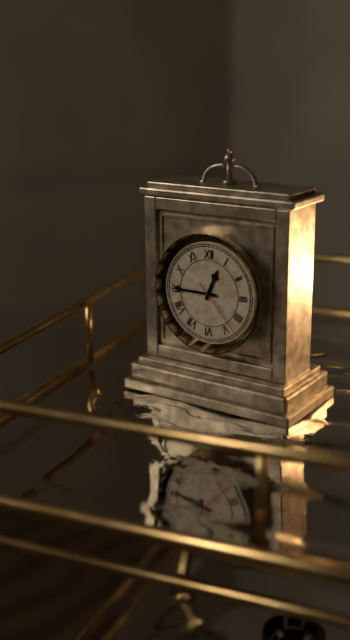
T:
**12:45:23**
